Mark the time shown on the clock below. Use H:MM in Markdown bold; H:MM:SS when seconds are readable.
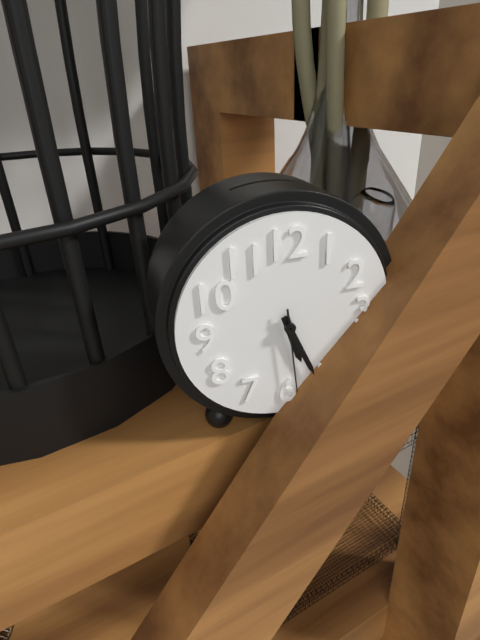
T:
**5:26:29**
